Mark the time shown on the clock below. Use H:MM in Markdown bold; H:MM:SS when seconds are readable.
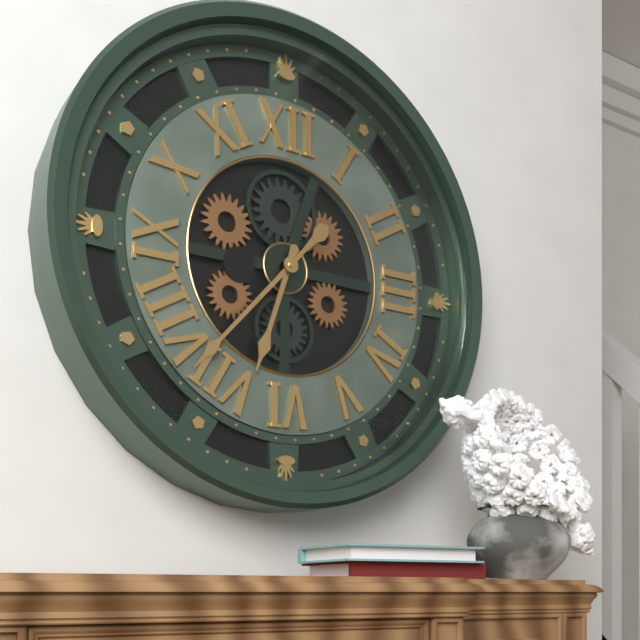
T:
**6:37**
